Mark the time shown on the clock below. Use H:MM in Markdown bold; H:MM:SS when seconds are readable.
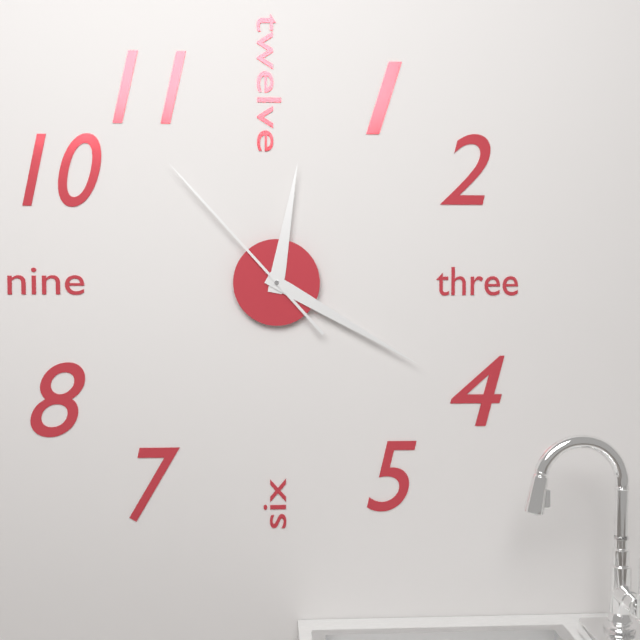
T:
**12:20:53**
